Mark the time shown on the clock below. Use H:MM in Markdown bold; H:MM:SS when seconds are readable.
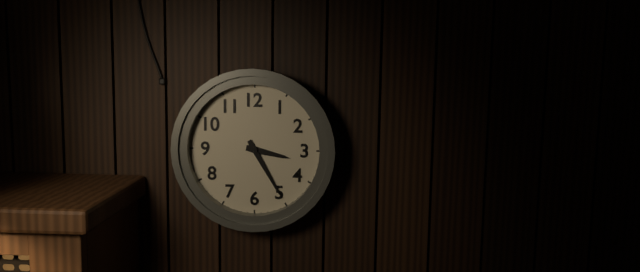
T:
**3:25**
